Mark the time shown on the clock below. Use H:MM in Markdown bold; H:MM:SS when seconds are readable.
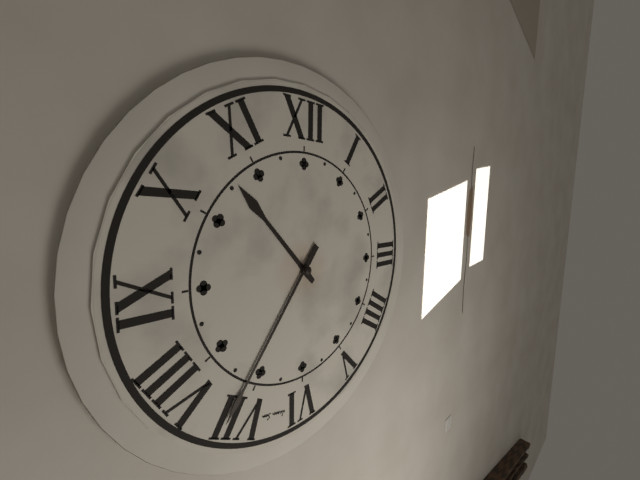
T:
**10:36**
